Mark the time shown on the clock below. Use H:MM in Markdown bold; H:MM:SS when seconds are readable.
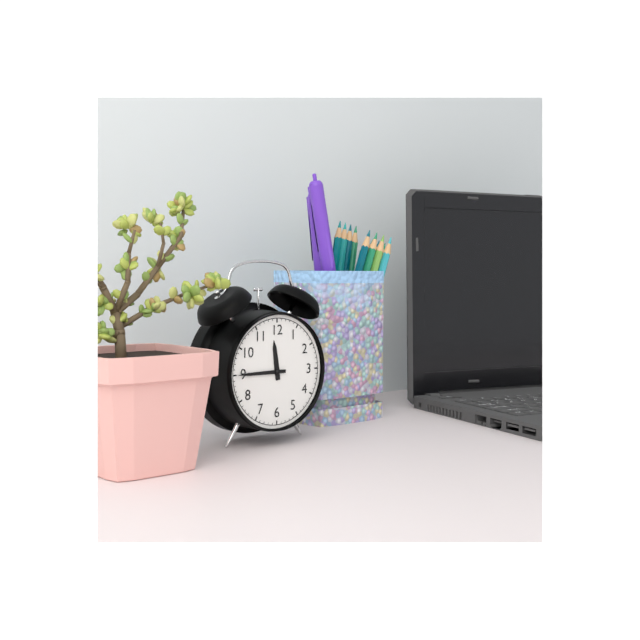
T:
**11:45**
